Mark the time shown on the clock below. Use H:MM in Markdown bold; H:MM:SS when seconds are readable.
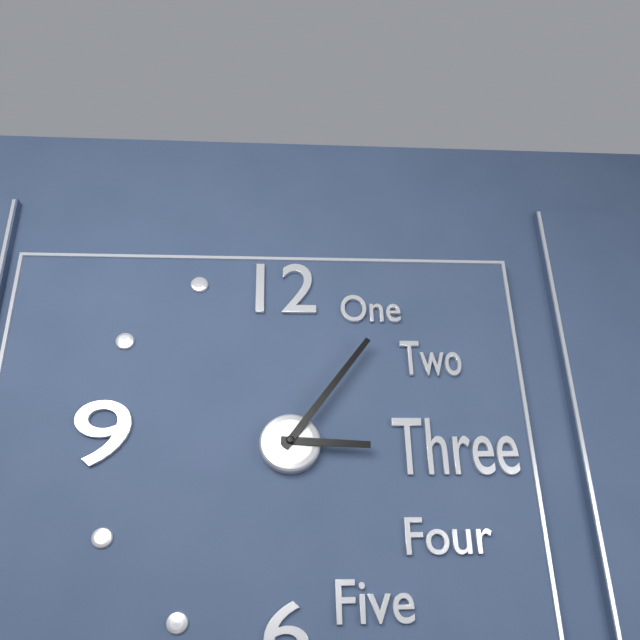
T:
**3:06**
